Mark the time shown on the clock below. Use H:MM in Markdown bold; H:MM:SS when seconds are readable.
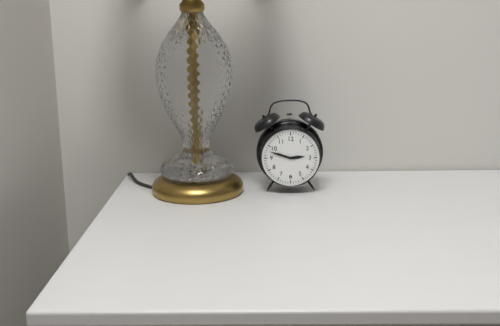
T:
**2:48**
